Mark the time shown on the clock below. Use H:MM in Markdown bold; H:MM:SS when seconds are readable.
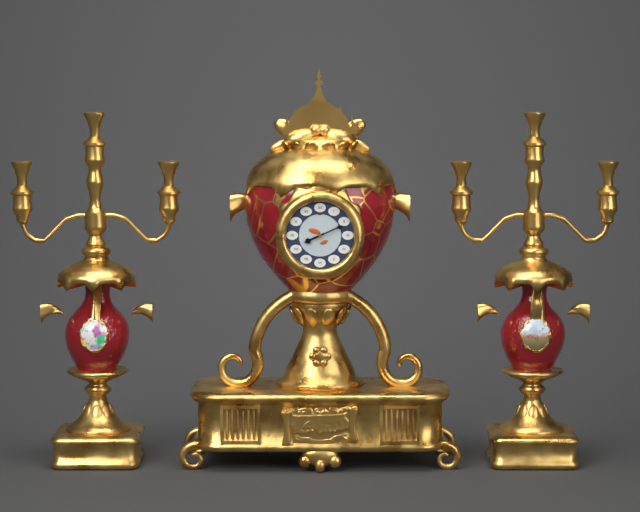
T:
**8:11**
